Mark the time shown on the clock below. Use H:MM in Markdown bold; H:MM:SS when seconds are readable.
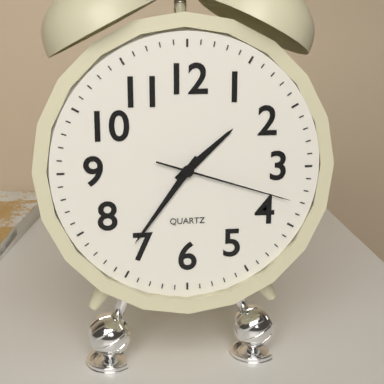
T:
**1:36:18**
